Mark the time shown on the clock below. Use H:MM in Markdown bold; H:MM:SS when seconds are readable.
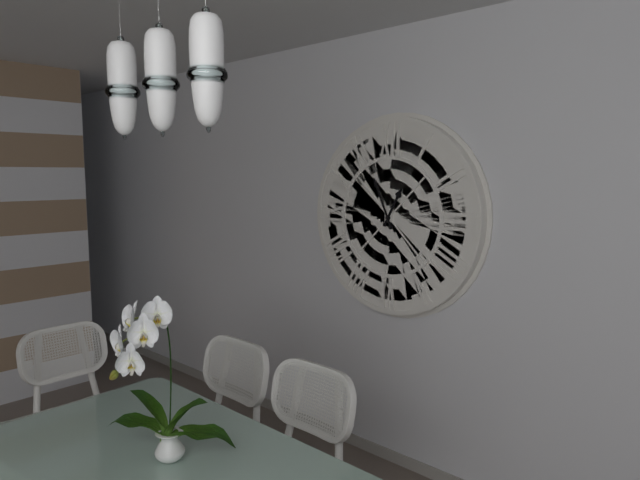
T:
**12:56**
